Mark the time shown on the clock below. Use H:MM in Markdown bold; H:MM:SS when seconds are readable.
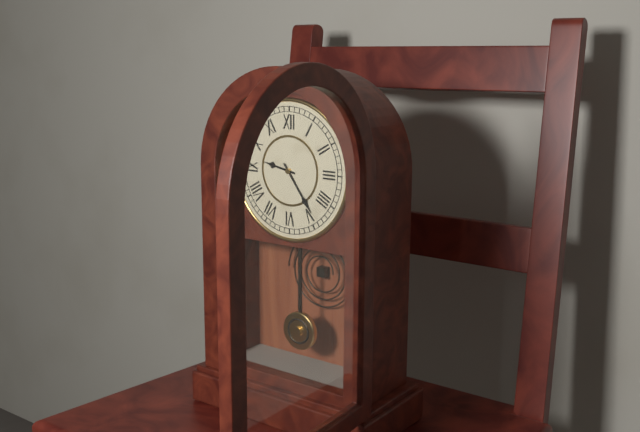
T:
**9:24**
